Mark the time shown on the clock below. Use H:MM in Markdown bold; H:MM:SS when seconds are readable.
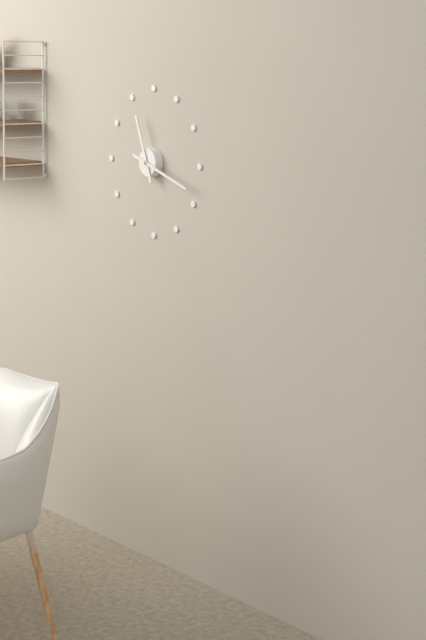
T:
**11:18**
